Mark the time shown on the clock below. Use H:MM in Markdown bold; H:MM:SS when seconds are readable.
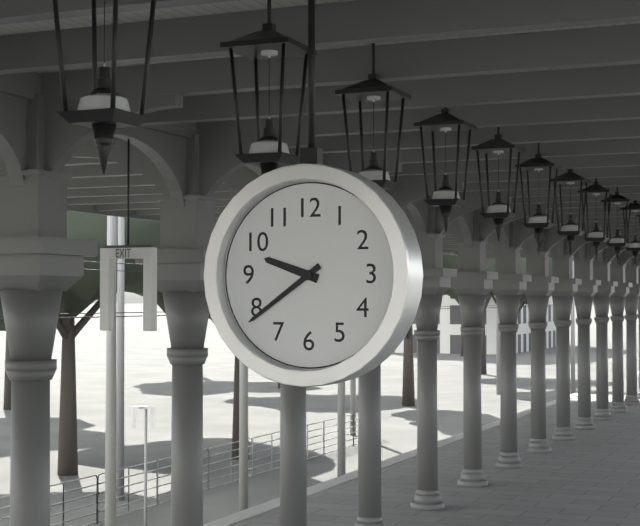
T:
**9:39**
